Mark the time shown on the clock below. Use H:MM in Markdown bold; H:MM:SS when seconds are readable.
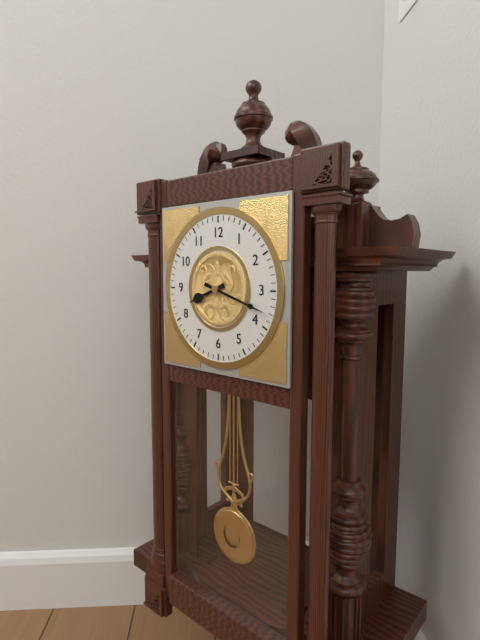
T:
**8:18**
